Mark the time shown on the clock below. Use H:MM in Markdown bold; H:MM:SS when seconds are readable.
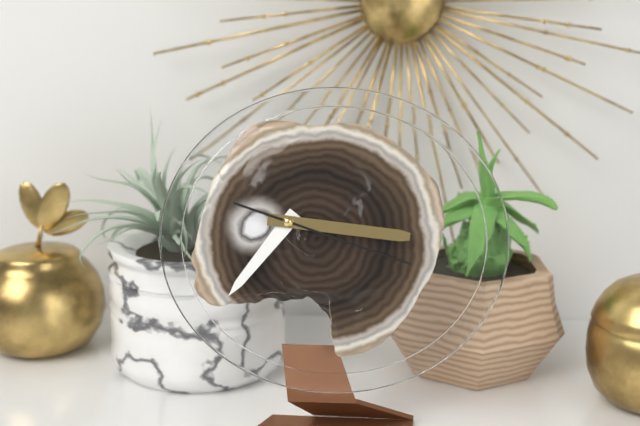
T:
**7:16:18**
